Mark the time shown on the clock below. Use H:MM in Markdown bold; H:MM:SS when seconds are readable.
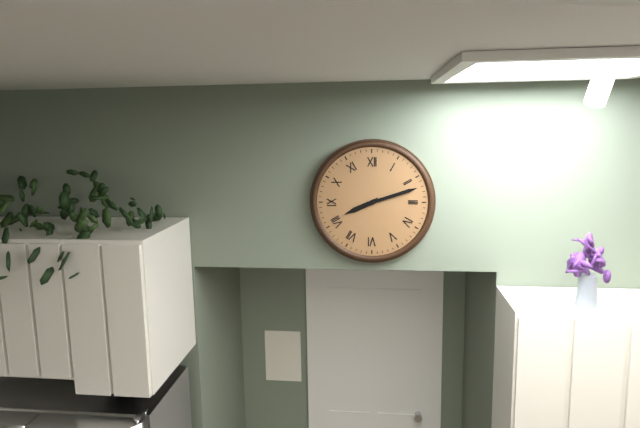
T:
**8:12**
